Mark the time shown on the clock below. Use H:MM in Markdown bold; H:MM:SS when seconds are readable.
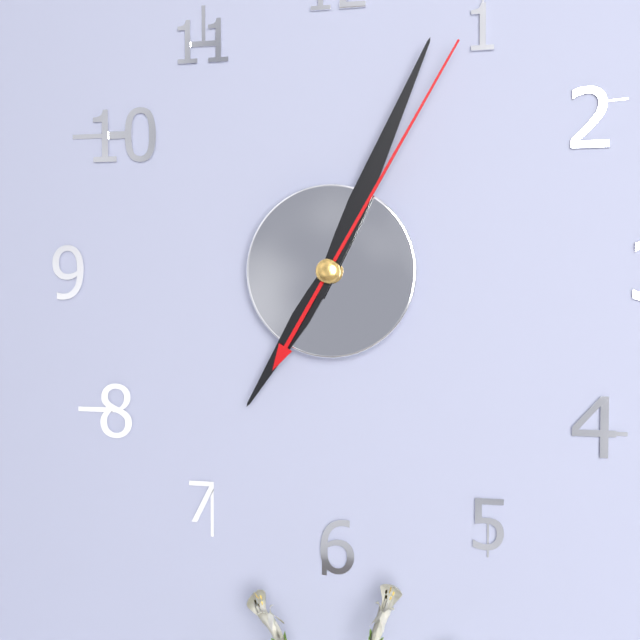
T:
**7:04:05**
